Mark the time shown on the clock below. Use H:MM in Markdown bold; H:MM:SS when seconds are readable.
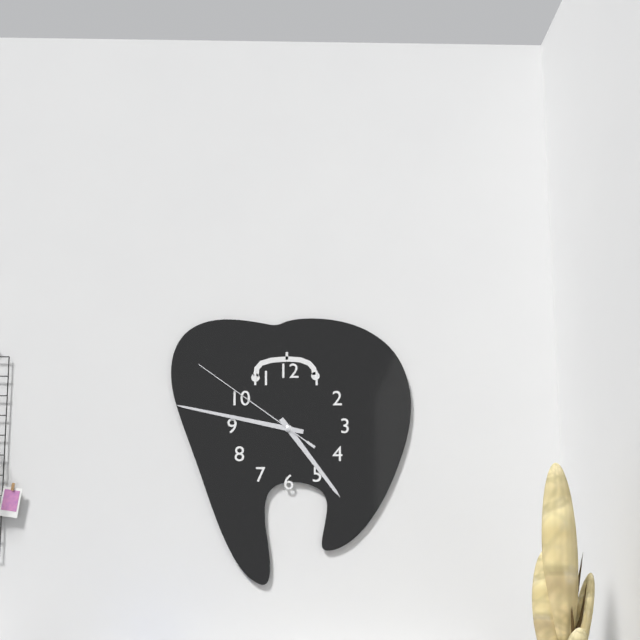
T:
**4:47:51**
